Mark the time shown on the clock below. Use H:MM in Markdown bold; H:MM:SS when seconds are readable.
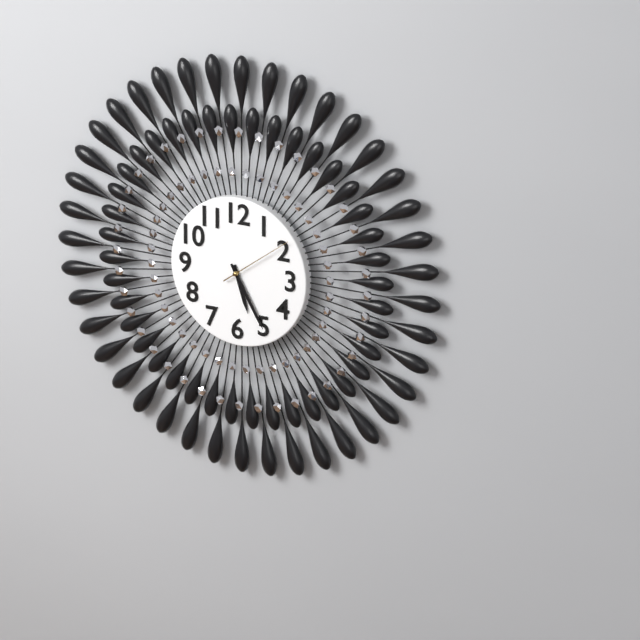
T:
**5:25:09**
